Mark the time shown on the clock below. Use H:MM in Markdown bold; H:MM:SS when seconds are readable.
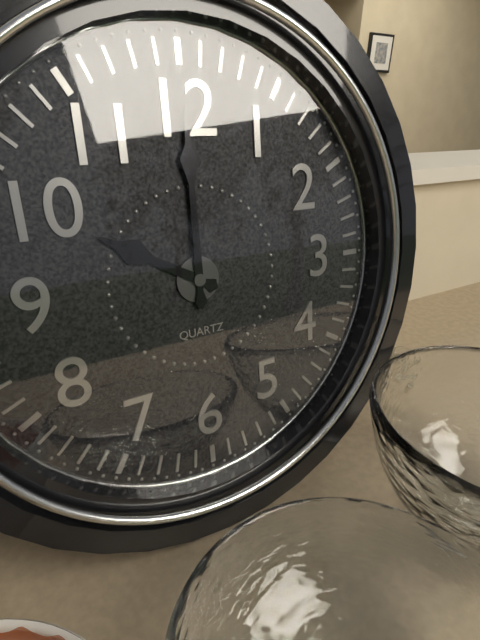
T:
**10:00**
